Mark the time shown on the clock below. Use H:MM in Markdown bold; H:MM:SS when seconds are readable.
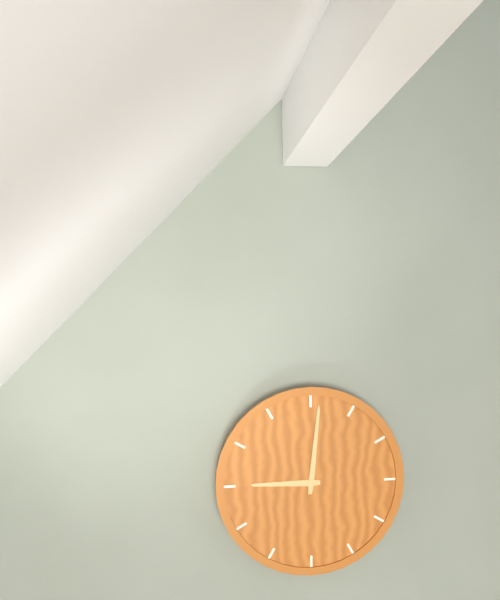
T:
**9:01**
